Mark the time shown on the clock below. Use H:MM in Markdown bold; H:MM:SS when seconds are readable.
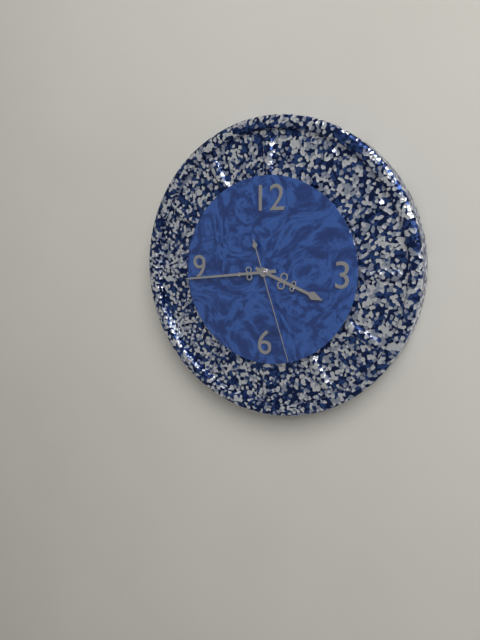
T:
**3:44:27**
